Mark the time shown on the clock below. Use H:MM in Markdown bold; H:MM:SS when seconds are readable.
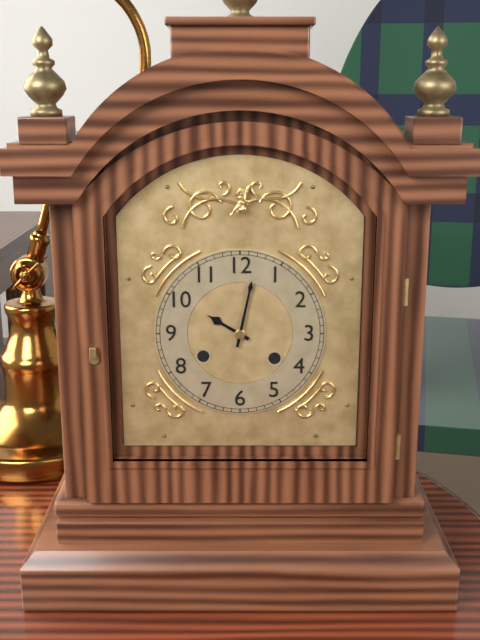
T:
**10:02**
